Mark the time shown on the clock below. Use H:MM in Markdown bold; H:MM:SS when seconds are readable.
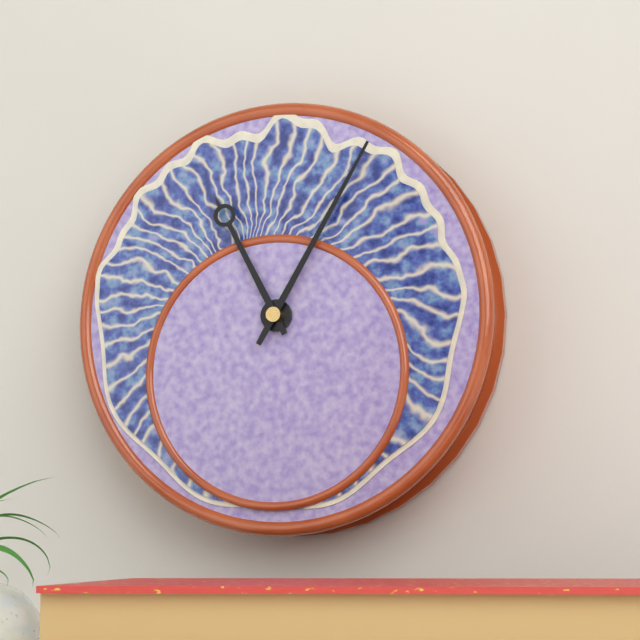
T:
**11:05**
